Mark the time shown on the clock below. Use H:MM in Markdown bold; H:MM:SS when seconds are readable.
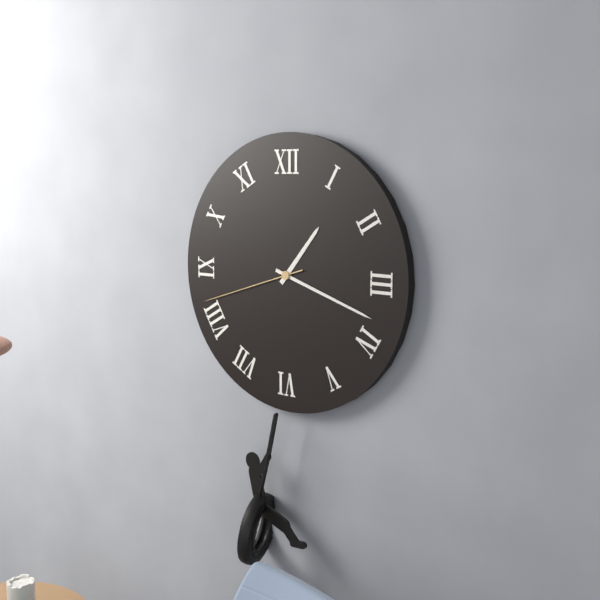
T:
**1:18:42**
